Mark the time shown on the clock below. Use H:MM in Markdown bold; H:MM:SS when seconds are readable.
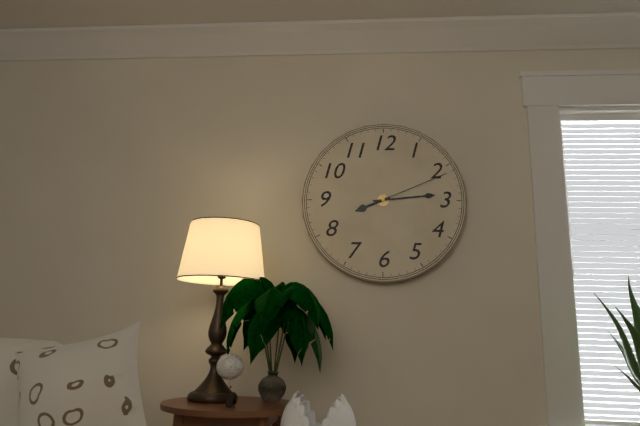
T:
**8:14:11**
